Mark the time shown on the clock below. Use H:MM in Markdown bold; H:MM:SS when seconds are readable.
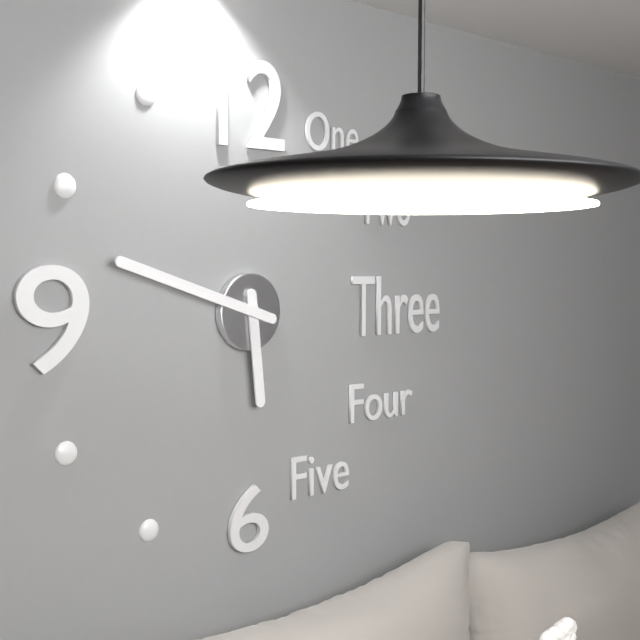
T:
**5:48**
